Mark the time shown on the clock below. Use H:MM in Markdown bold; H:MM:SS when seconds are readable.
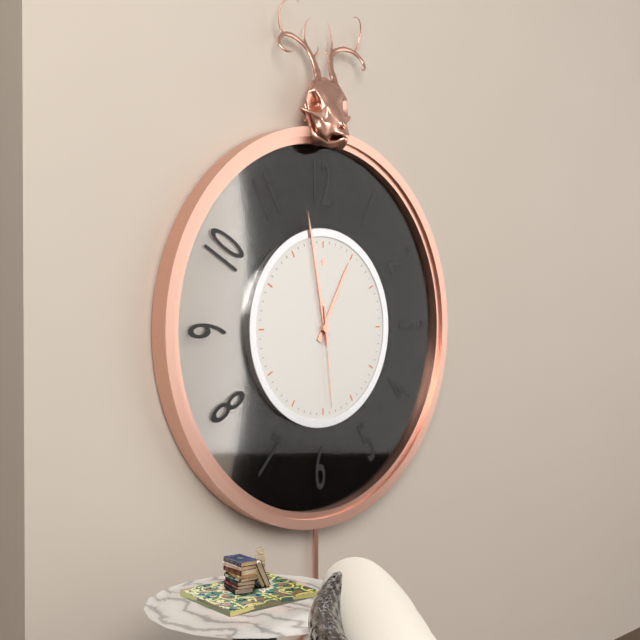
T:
**12:58:29**
